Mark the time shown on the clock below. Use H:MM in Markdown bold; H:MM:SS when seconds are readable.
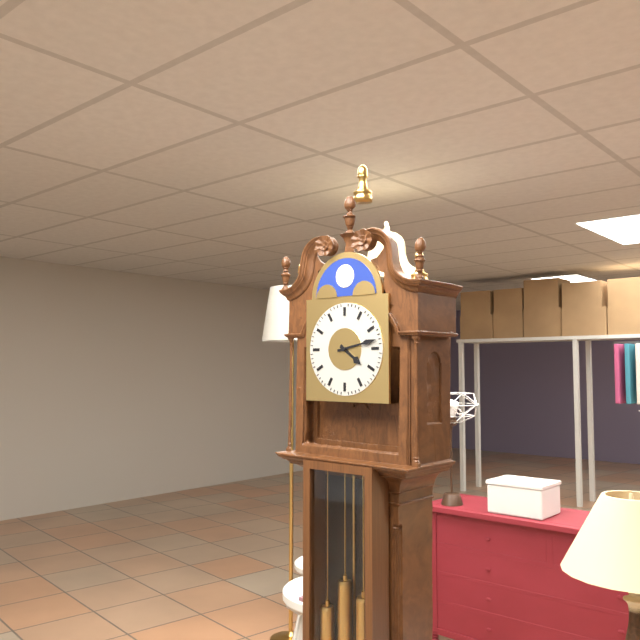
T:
**4:13**
